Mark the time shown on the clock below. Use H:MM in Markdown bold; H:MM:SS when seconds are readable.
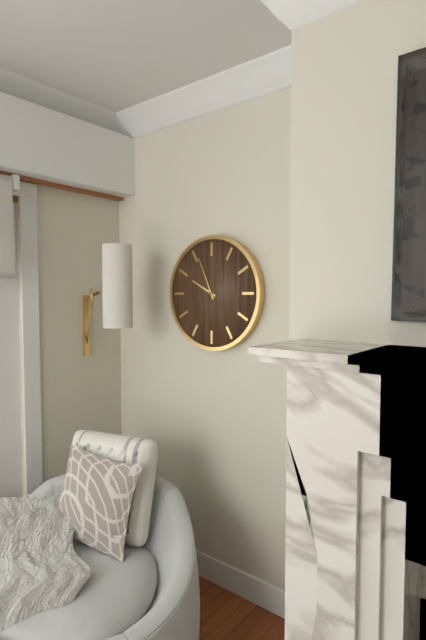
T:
**9:56**
